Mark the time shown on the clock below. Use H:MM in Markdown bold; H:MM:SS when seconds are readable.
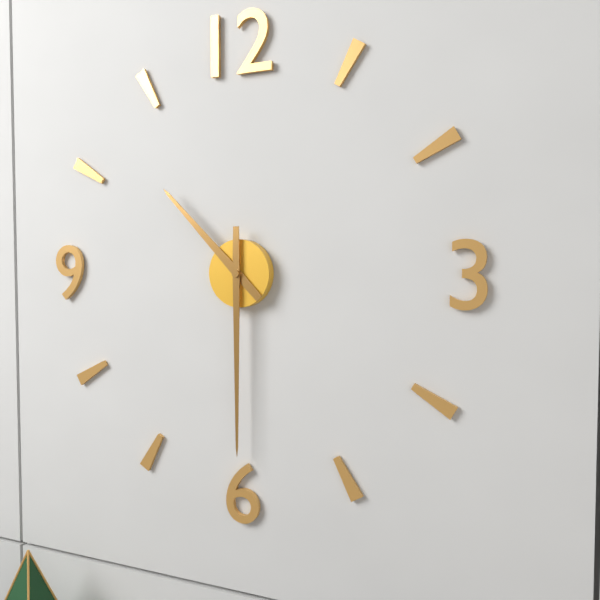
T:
**10:30**
